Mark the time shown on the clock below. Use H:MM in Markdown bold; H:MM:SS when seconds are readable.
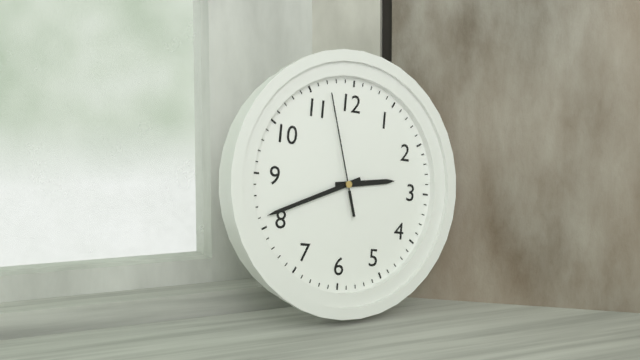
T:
**2:41:57**
